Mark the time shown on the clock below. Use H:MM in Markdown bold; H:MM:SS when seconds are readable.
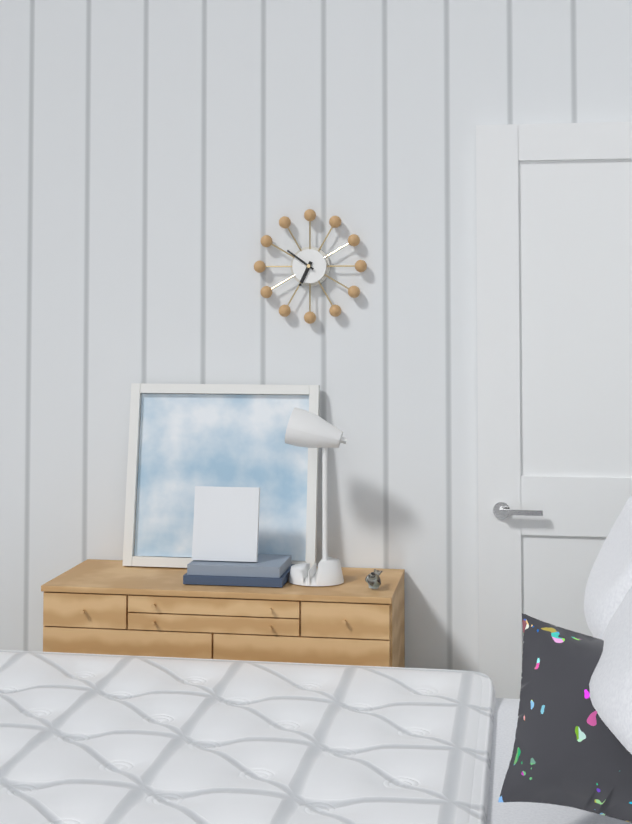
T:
**6:51**
